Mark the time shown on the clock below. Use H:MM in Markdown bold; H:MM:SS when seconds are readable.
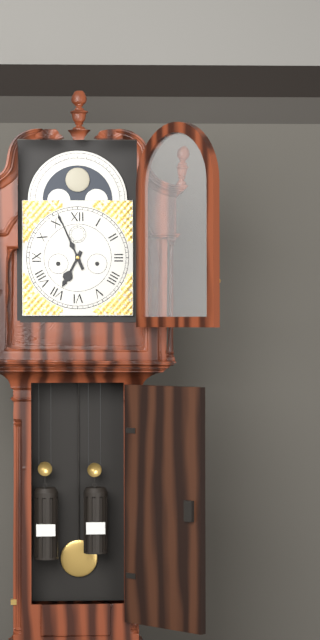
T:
**6:56**
